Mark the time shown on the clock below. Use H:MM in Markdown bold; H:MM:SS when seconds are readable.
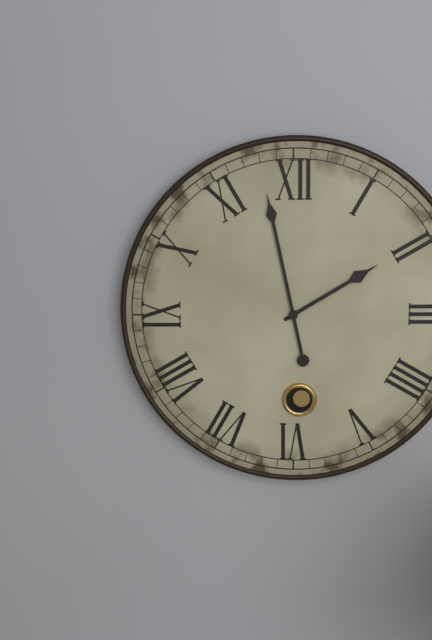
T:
**1:58**
